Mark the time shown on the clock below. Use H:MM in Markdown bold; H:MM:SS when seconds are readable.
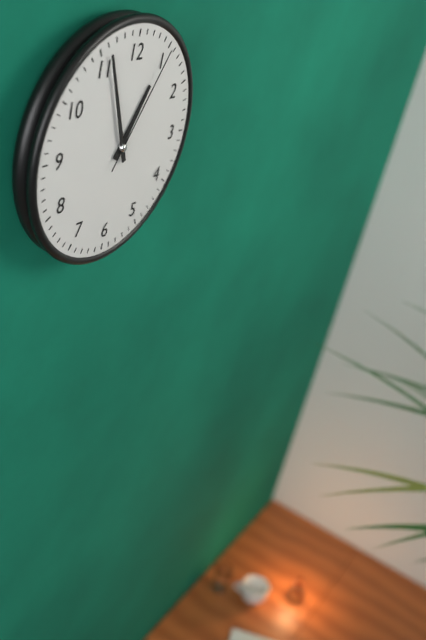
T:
**12:56:05**
